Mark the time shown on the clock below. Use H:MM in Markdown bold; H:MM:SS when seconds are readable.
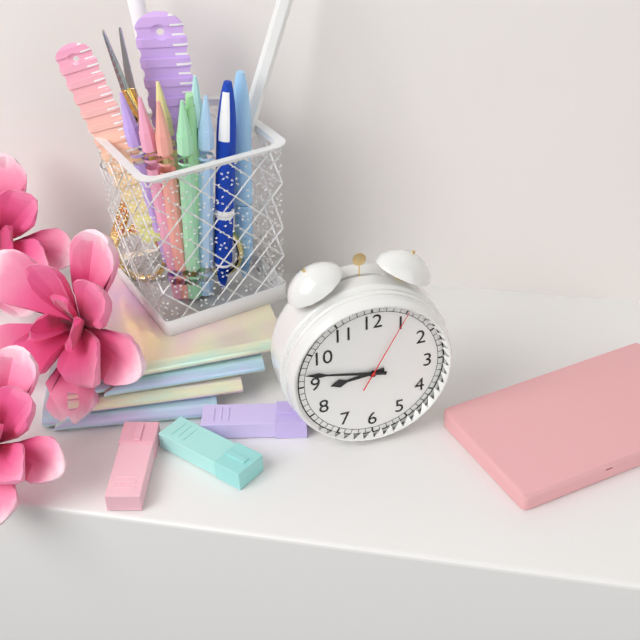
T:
**8:47:05**
